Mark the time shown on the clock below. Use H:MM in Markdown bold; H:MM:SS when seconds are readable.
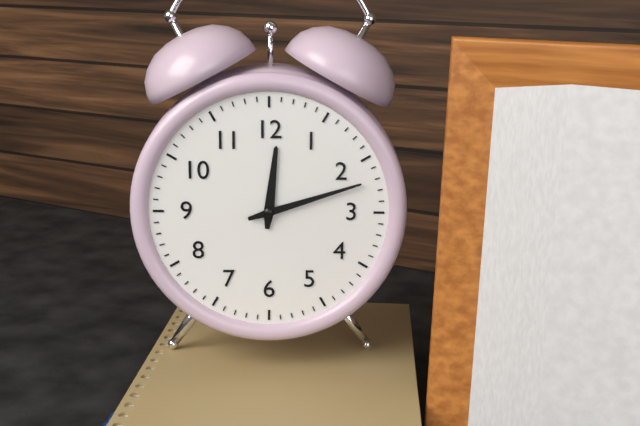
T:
**12:12**
